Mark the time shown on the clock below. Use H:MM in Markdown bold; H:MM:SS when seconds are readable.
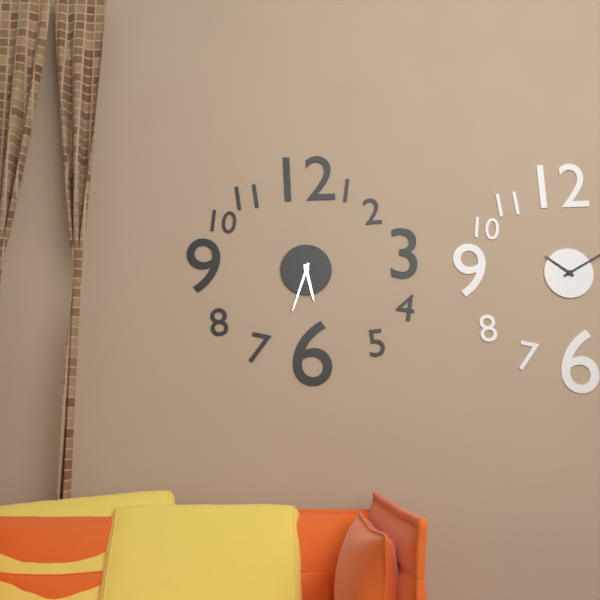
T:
**5:33**
